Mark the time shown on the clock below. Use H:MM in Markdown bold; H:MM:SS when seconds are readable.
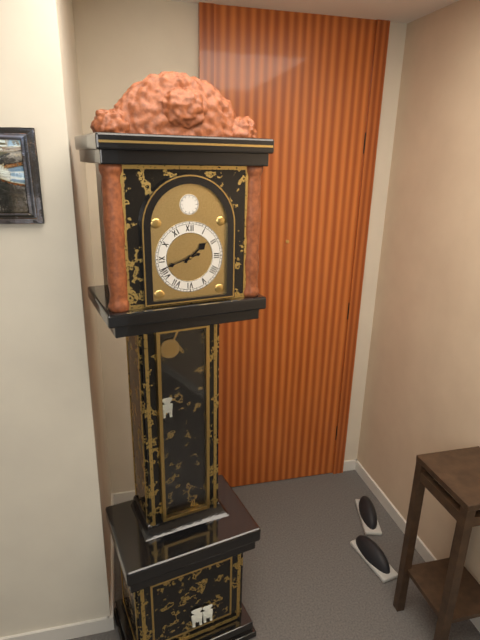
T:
**1:42**
